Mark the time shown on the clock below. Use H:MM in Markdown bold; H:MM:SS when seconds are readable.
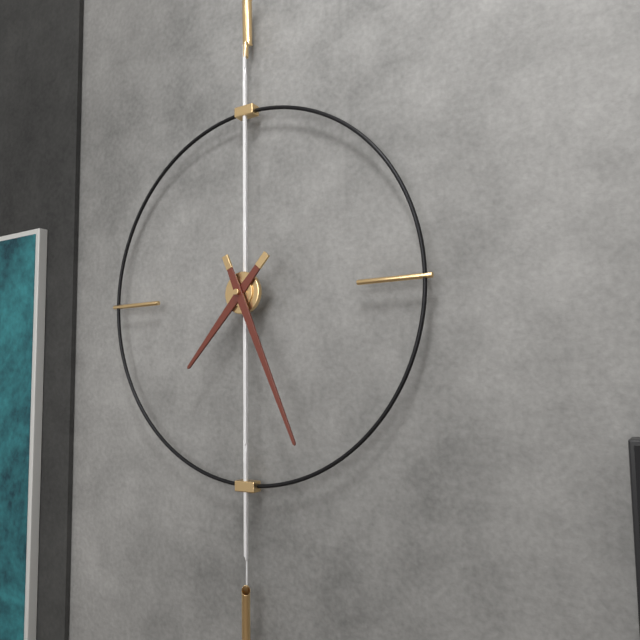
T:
**7:26**
